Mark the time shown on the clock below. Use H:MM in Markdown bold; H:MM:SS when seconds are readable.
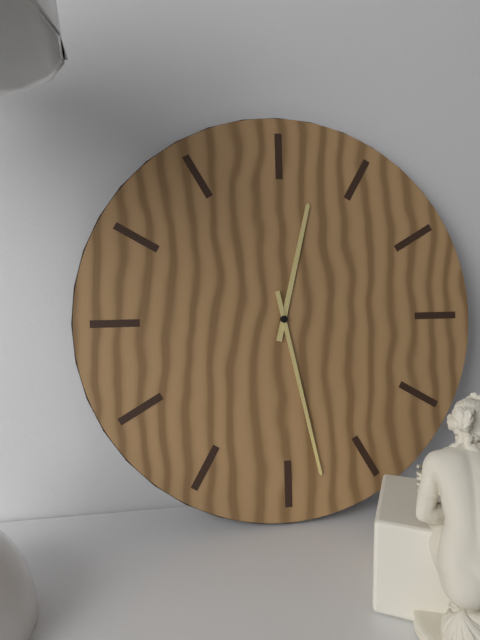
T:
**12:28**
